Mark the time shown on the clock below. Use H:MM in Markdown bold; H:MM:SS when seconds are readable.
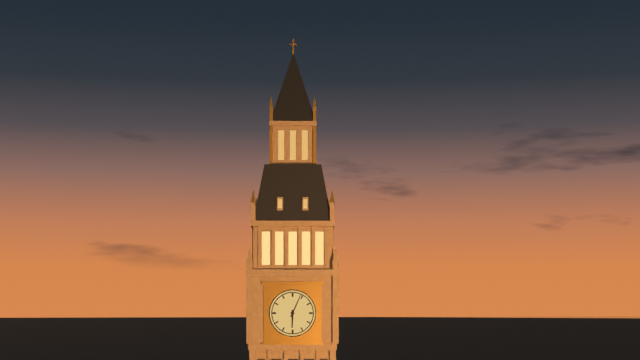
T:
**6:04**
